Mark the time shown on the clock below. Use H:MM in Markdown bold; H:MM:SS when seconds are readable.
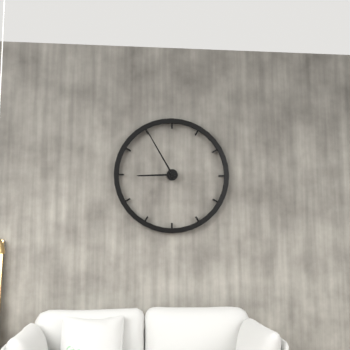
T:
**8:55**
